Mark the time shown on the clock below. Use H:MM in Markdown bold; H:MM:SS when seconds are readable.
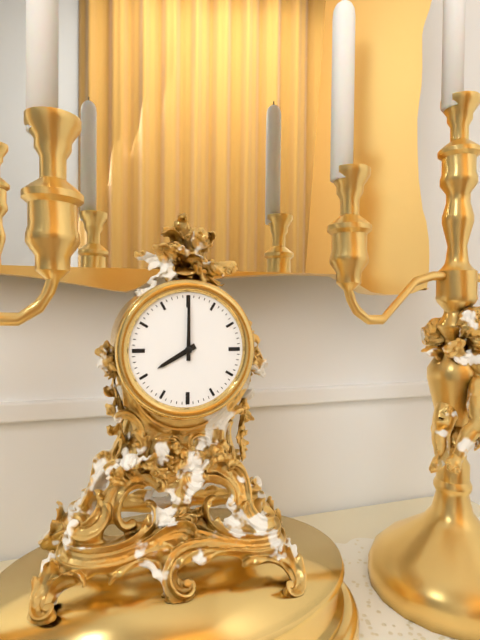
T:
**8:00**
